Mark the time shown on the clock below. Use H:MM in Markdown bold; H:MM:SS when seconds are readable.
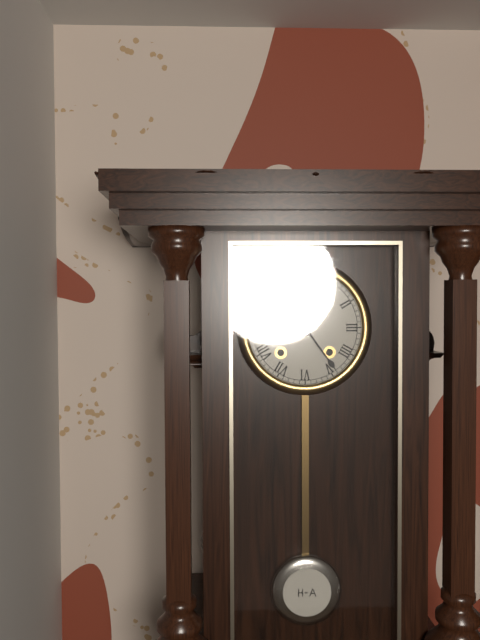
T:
**11:24**
